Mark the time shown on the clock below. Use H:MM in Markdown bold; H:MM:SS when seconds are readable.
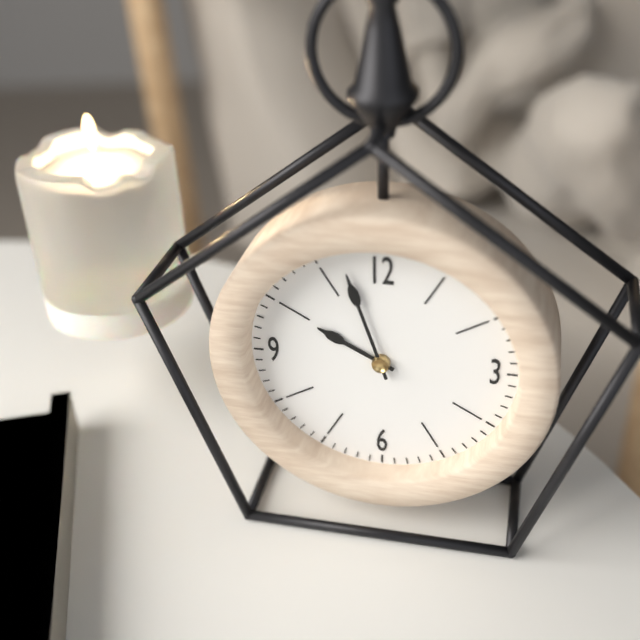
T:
**9:57**
